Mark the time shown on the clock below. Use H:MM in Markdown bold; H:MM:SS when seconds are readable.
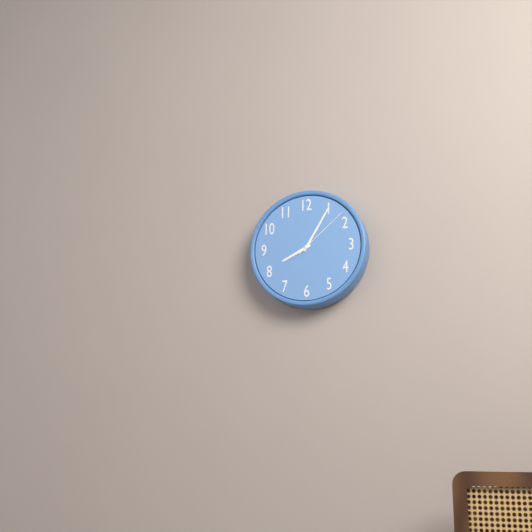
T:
**8:05:08**
